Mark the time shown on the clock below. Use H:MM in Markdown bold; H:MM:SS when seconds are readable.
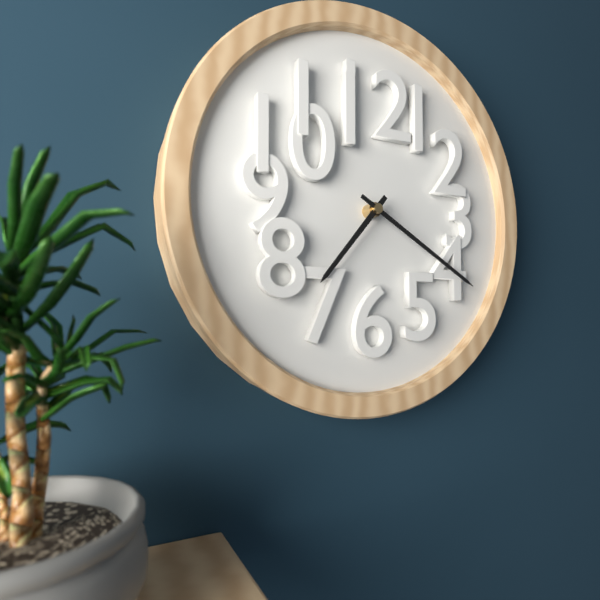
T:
**7:20**
